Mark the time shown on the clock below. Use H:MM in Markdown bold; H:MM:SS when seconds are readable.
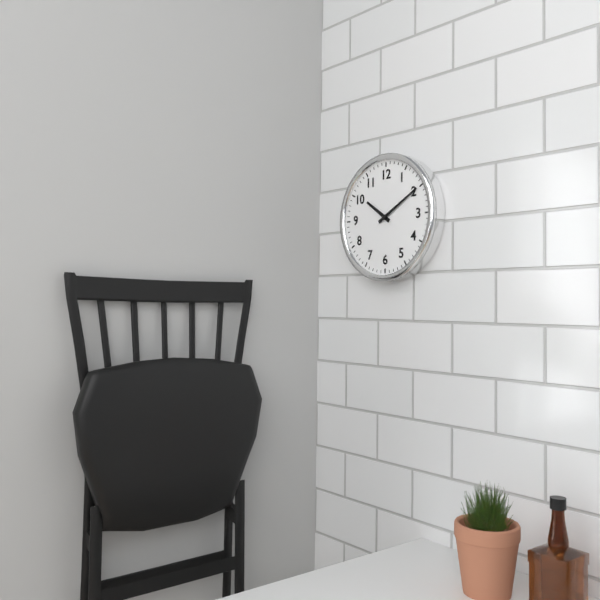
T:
**10:10**
